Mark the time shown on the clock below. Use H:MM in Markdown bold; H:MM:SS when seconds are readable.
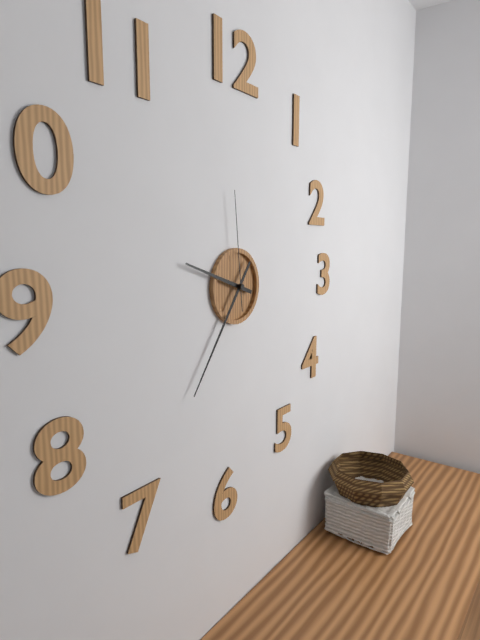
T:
**9:36:59**
